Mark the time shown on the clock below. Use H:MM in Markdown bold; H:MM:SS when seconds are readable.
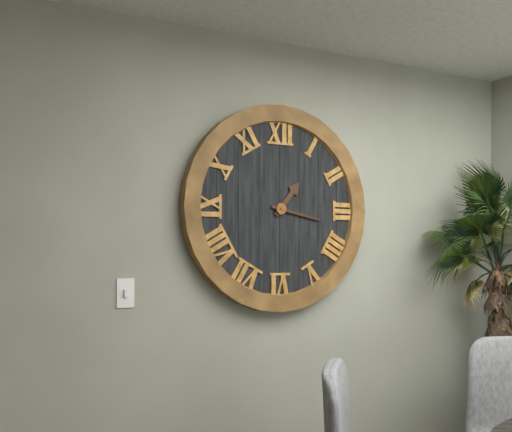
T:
**1:17**
